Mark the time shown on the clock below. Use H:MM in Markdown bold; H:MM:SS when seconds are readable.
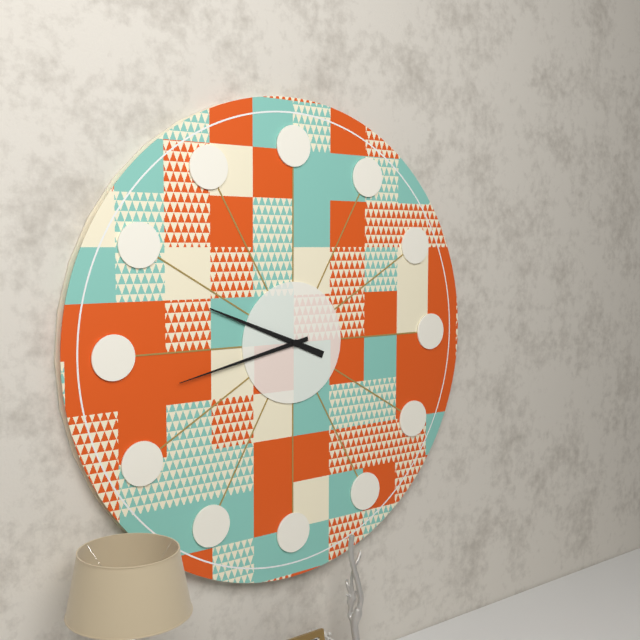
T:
**9:43**
